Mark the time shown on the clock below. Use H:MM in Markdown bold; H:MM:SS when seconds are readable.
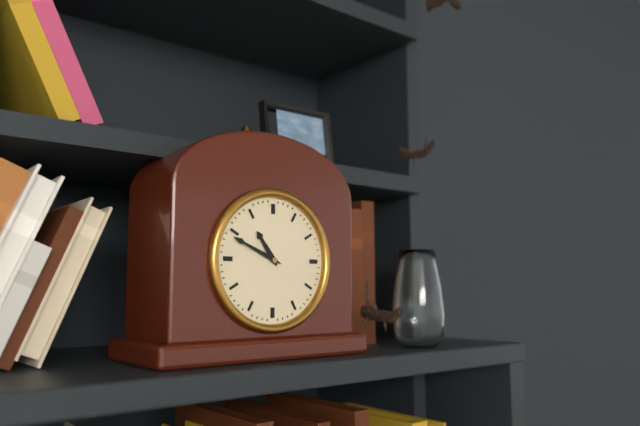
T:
**10:49**
